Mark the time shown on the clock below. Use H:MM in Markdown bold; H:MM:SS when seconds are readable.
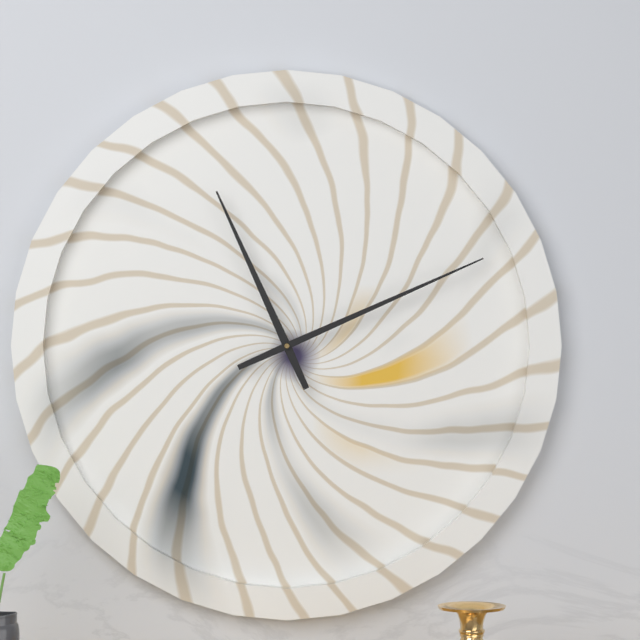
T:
**11:11**
